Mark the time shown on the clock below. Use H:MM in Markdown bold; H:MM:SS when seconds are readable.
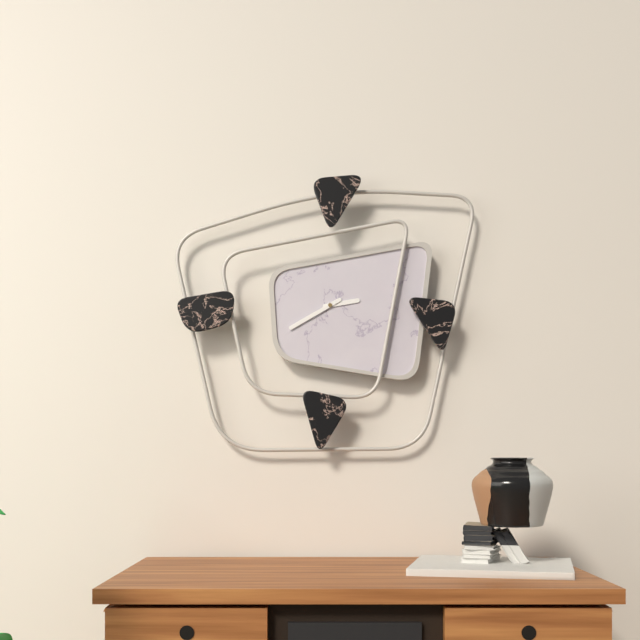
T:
**2:40**
